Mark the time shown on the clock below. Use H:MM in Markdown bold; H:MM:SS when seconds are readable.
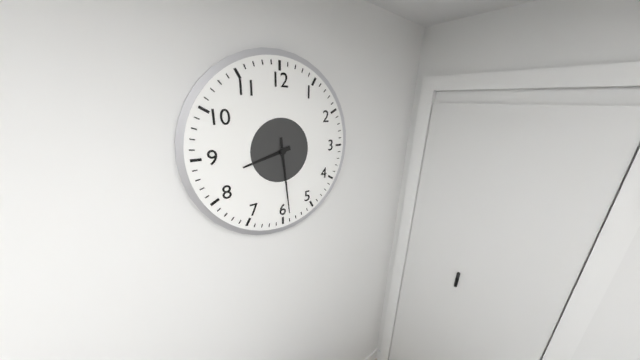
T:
**8:29**
